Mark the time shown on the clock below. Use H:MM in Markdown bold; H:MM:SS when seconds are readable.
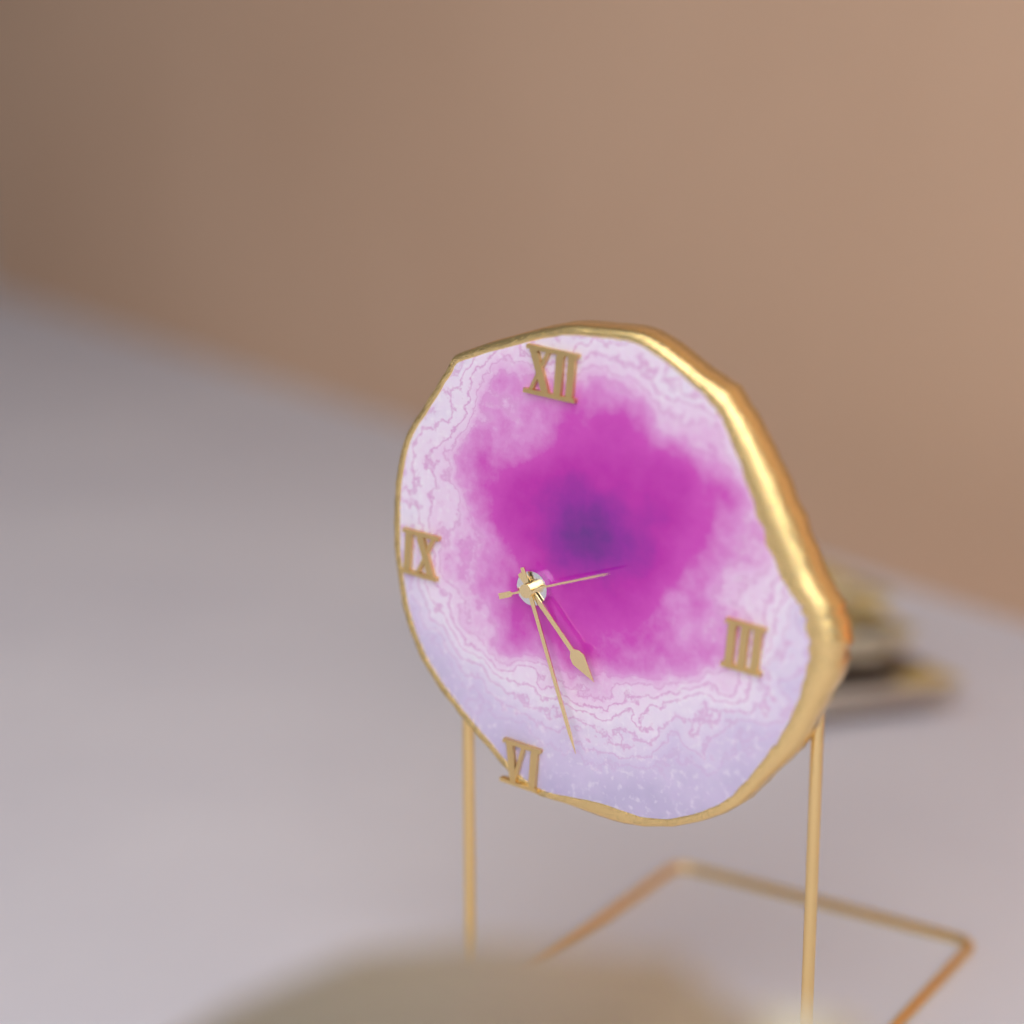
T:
**4:26:11**
